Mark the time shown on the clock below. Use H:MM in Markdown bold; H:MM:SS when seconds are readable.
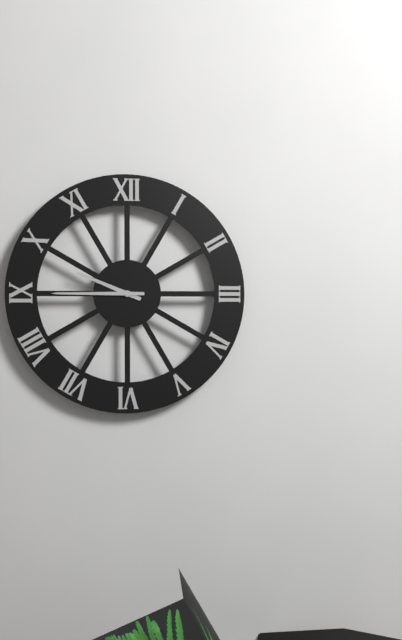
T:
**9:45**
